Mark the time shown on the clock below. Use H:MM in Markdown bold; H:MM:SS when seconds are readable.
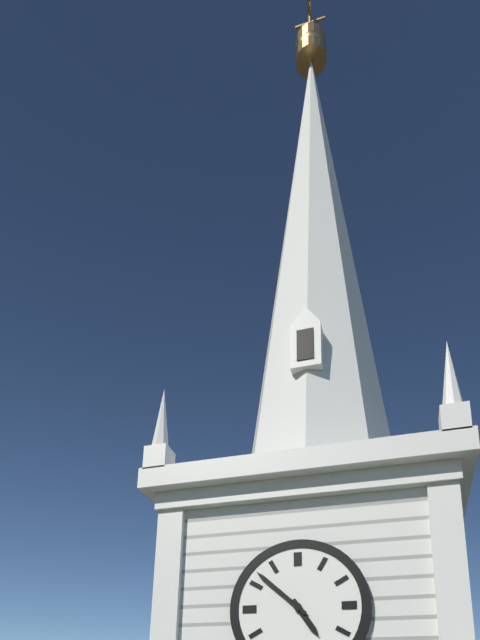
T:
**4:52**
